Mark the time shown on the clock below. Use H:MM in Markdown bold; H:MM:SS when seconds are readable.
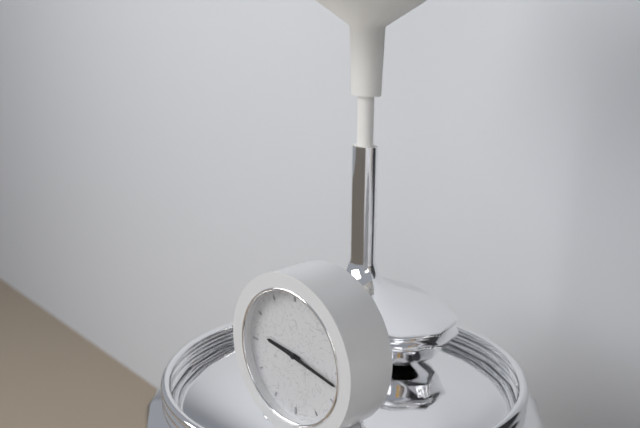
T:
**9:17**
